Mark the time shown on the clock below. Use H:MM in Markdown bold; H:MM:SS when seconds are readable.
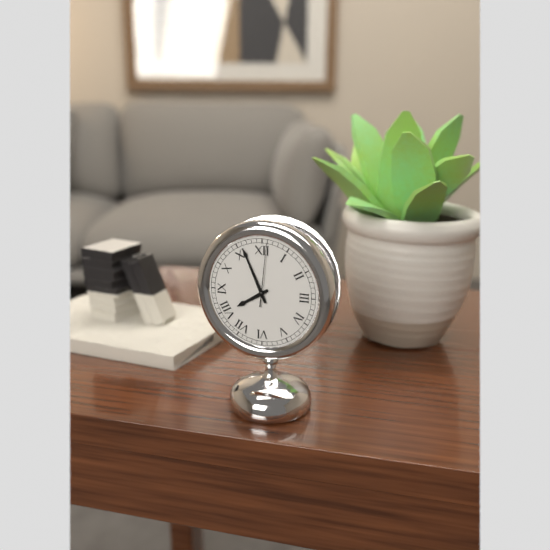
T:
**7:56:01**
